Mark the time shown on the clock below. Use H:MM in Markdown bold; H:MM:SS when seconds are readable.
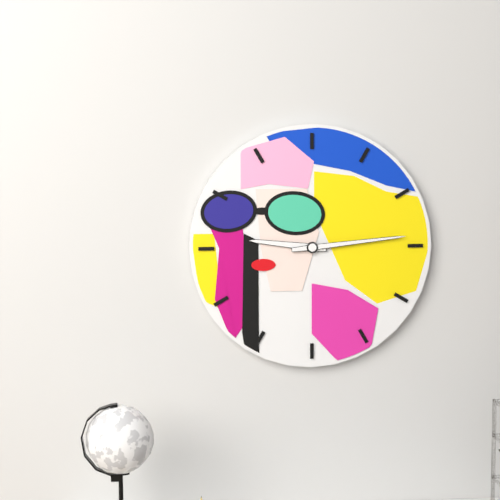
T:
**9:14**
